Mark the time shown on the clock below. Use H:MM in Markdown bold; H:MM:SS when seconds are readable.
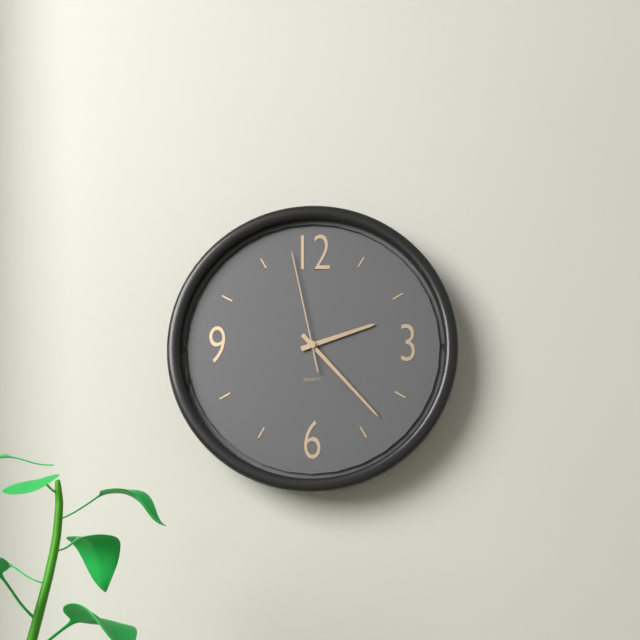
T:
**2:23:58**
